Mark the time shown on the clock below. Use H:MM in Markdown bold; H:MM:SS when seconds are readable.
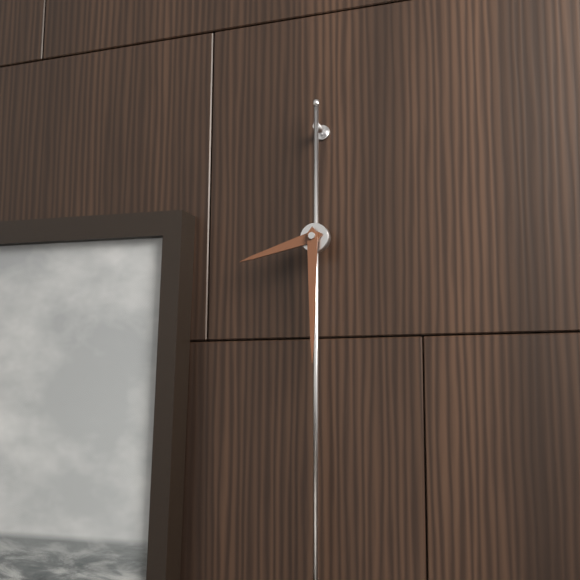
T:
**8:30**
